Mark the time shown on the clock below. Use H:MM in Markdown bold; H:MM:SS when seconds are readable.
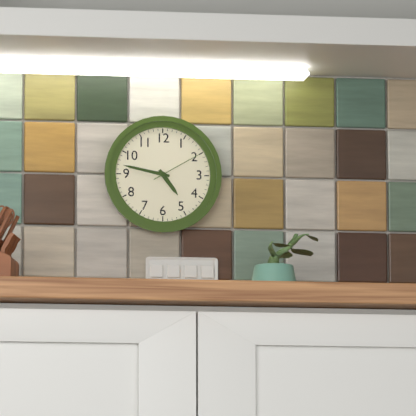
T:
**4:47:10**
